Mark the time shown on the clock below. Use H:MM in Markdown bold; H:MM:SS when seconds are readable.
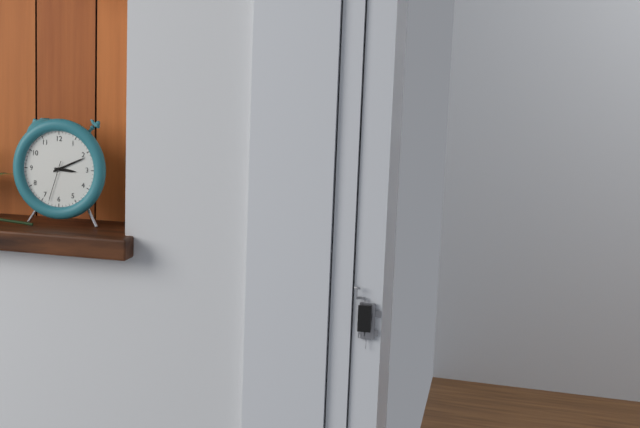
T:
**3:11**
